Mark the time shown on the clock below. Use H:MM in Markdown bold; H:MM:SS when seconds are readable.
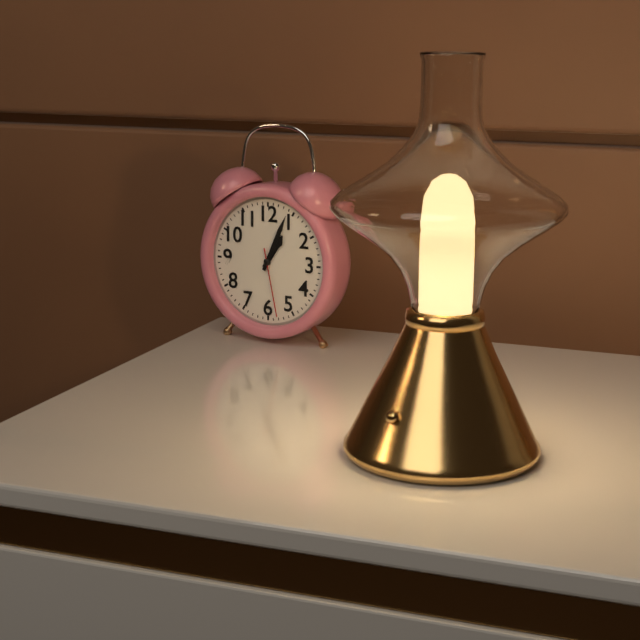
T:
**1:04:28**
